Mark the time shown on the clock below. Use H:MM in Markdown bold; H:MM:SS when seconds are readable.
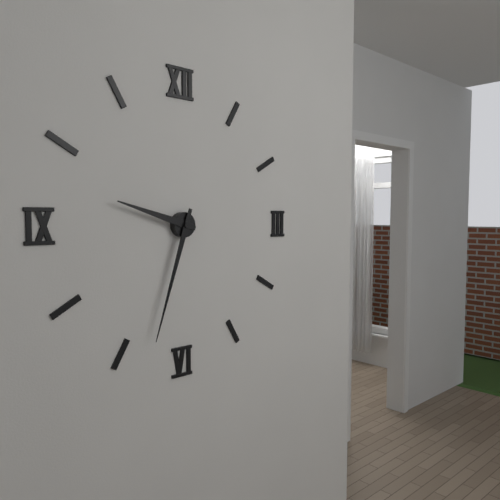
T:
**9:33**
